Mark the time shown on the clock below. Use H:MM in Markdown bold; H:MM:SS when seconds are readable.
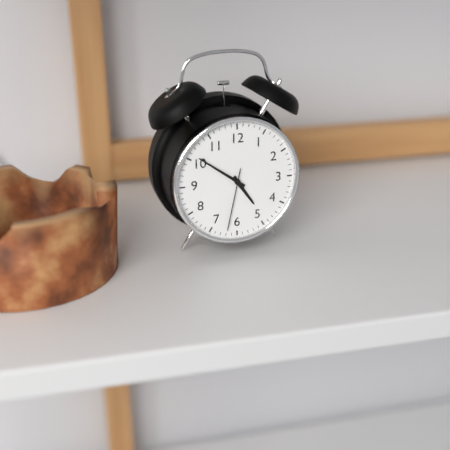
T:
**4:51:32**
